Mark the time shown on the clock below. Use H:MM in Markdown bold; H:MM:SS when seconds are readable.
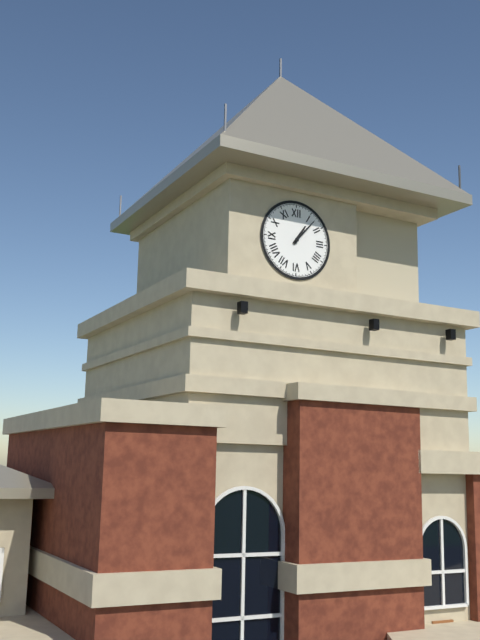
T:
**1:07**
